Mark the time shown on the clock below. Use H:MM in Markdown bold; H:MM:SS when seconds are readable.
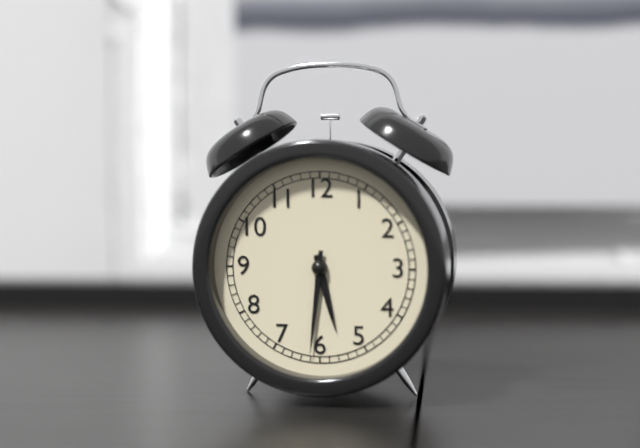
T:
**5:31**
